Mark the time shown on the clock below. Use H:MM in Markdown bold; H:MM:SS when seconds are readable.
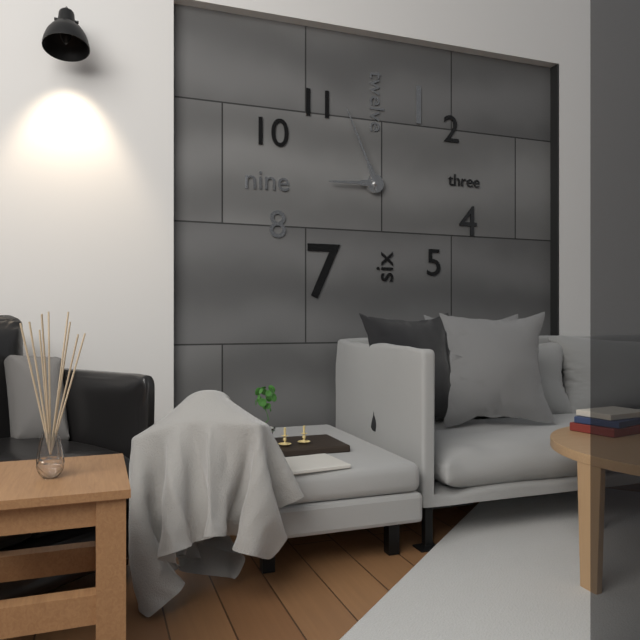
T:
**8:56**
